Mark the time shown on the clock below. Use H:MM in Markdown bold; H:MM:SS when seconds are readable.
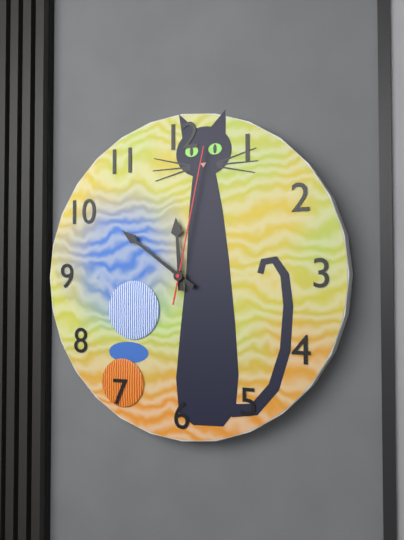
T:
**11:51:02**
